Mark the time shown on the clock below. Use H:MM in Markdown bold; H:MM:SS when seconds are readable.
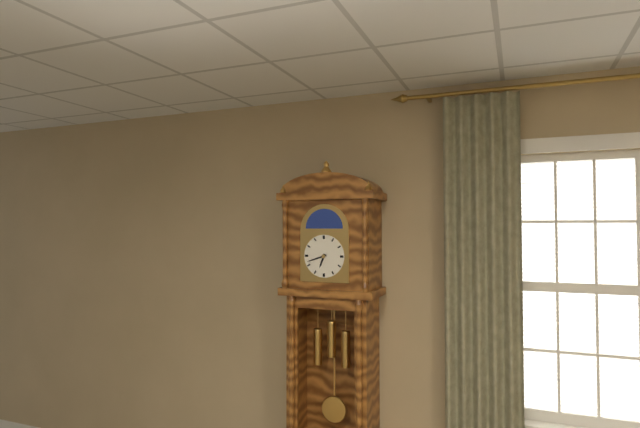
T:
**6:42**
